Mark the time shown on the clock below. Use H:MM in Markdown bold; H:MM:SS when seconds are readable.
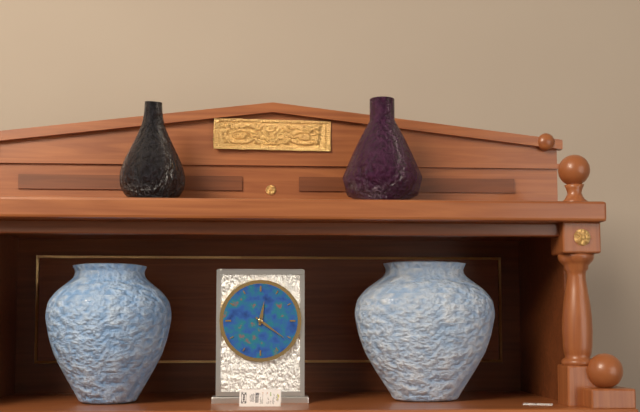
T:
**12:21**
